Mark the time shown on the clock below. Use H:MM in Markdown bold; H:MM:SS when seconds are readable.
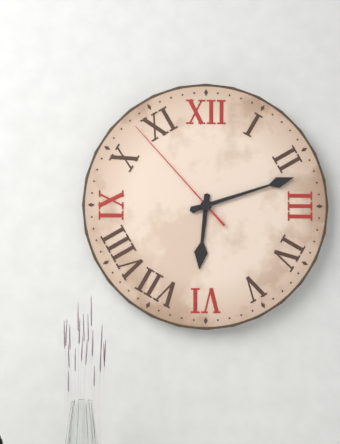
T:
**6:12:53**
